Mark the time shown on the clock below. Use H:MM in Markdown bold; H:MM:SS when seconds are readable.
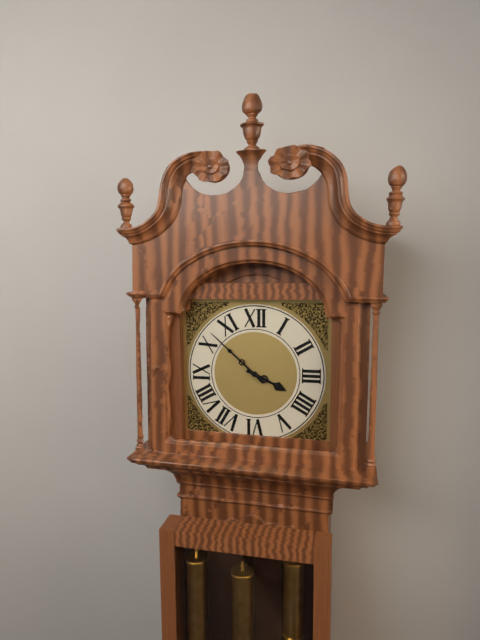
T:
**3:52**
